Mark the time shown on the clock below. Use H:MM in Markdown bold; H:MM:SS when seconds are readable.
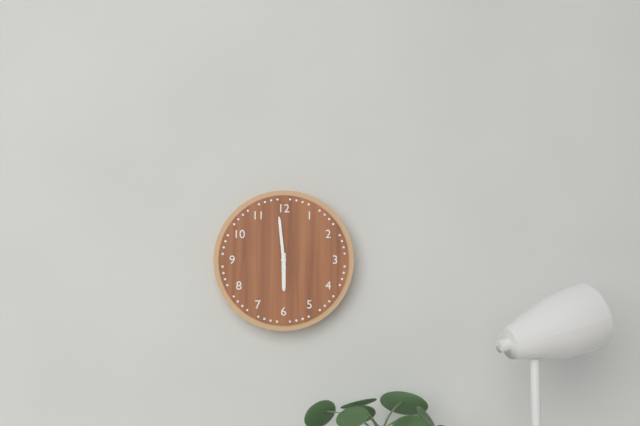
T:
**5:59**
